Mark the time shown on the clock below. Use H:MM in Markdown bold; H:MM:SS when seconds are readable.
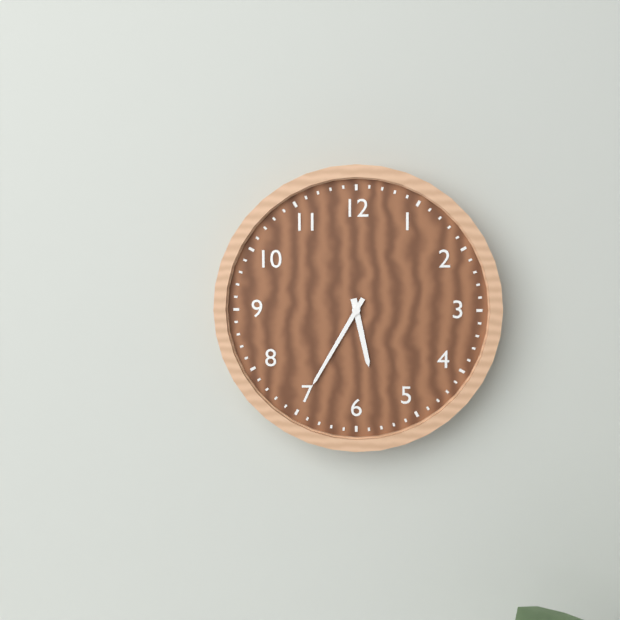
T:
**5:35**
